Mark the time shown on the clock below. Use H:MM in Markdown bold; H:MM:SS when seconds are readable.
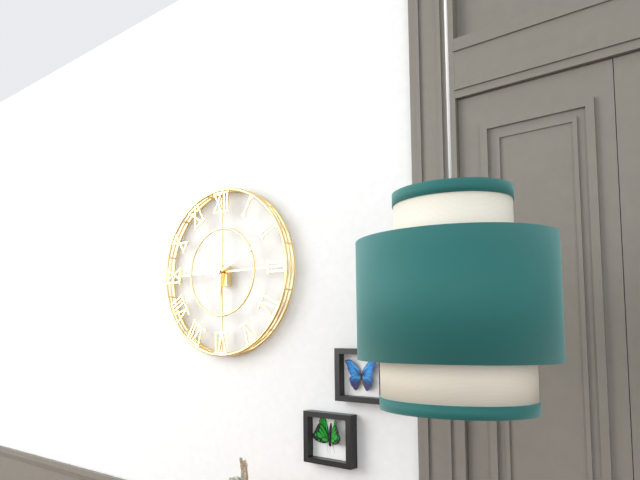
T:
**6:11**
